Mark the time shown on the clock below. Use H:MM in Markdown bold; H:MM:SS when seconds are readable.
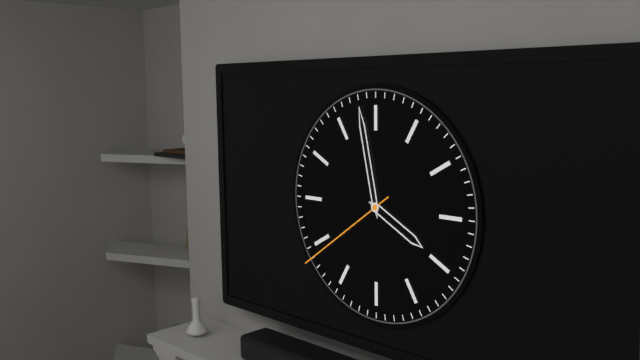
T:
**3:58:39**
